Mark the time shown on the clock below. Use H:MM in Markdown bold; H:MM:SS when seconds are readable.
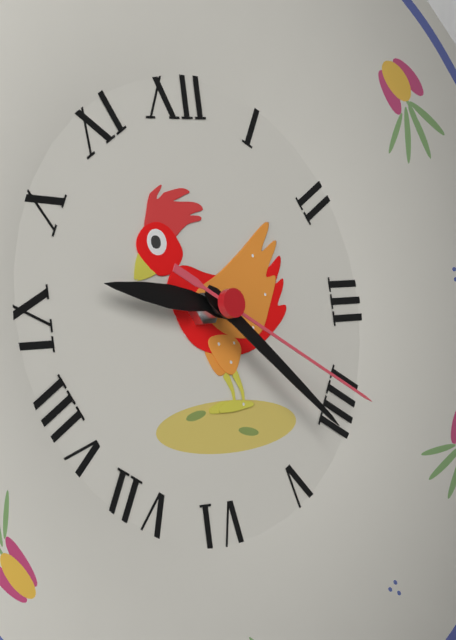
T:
**9:22:20**
